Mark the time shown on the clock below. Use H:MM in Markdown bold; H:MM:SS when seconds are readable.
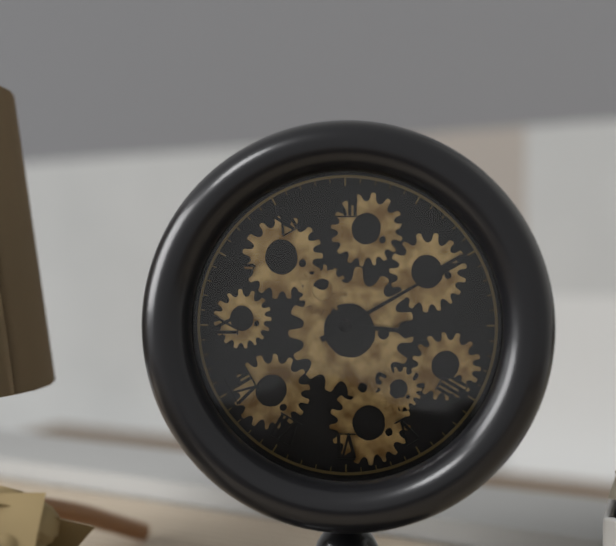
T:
**3:10**
